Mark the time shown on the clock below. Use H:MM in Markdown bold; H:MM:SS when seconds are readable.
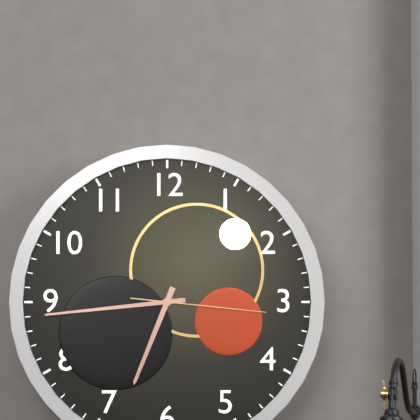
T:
**6:44:16**
